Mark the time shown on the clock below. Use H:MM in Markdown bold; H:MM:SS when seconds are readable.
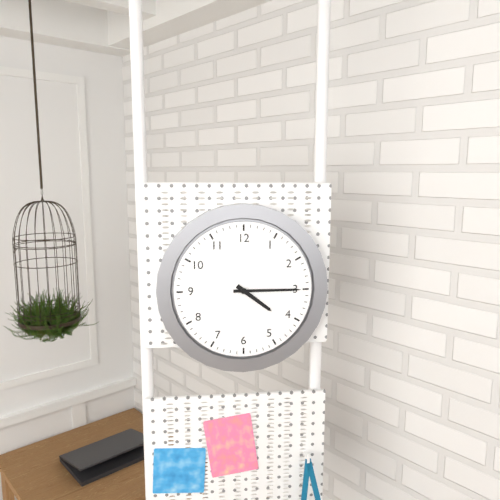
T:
**4:15**
